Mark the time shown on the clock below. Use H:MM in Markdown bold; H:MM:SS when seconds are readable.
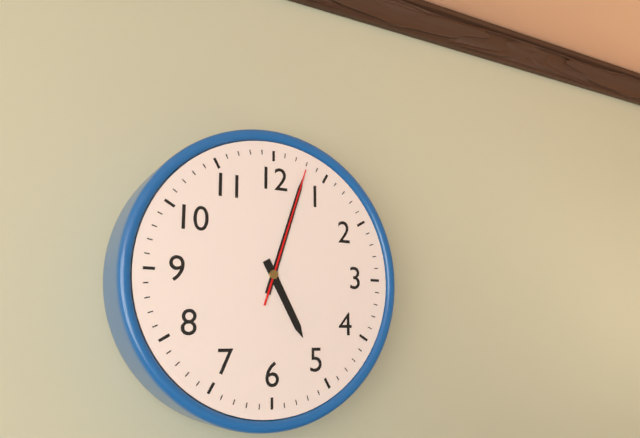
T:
**5:03:03**
